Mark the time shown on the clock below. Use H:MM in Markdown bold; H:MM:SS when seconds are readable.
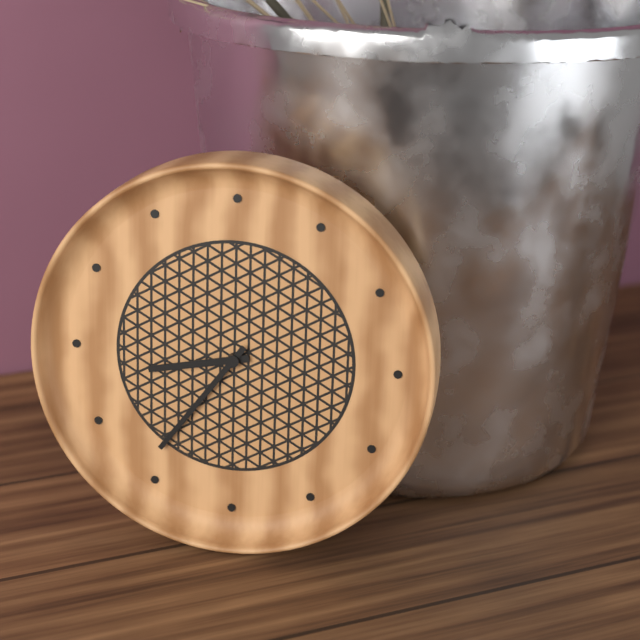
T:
**8:36**
